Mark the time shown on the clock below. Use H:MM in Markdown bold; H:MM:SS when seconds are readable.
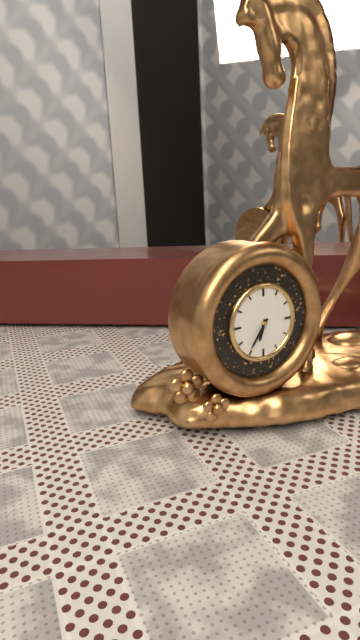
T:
**6:36**
